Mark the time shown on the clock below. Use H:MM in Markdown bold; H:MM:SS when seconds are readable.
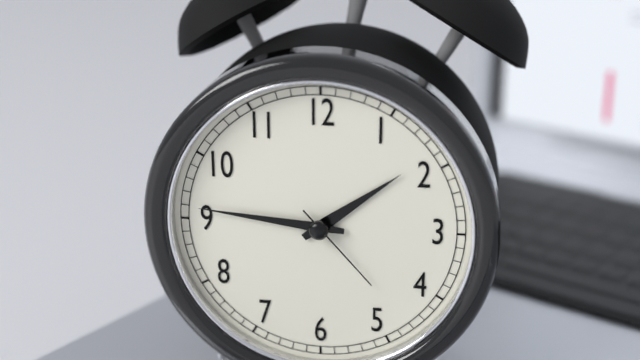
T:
**1:46:23**
